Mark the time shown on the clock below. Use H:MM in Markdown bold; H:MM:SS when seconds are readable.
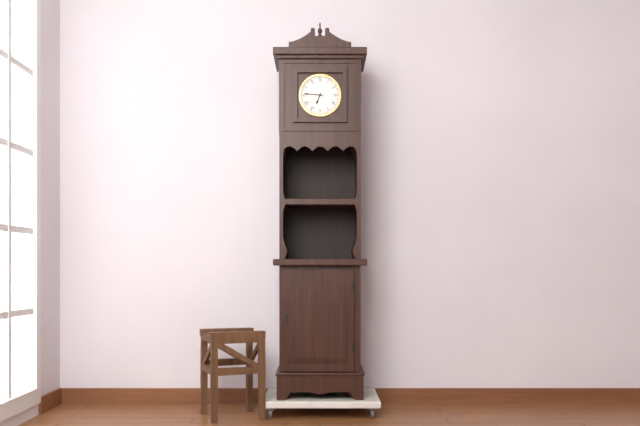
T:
**6:46**
